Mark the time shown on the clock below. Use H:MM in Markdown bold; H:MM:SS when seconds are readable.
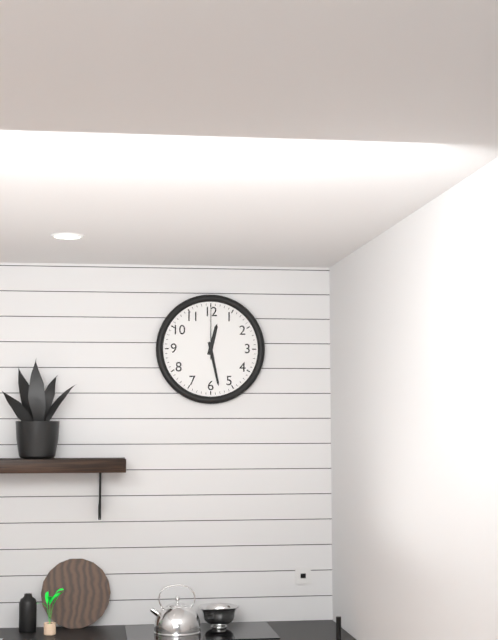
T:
**12:28:00**
